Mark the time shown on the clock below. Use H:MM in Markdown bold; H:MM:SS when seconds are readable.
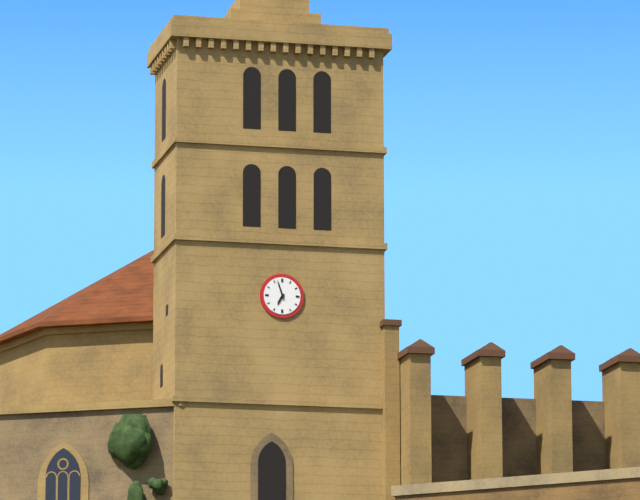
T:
**6:57**
